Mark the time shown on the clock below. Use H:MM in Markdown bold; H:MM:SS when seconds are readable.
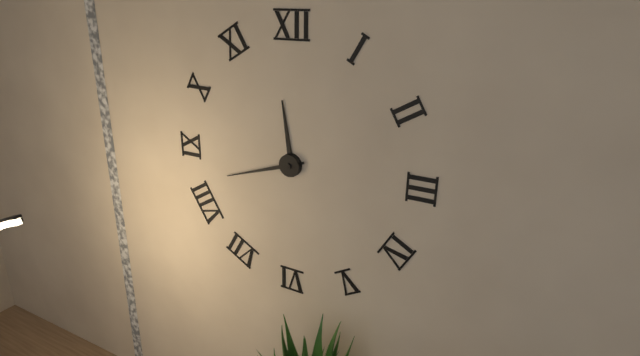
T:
**11:42**
